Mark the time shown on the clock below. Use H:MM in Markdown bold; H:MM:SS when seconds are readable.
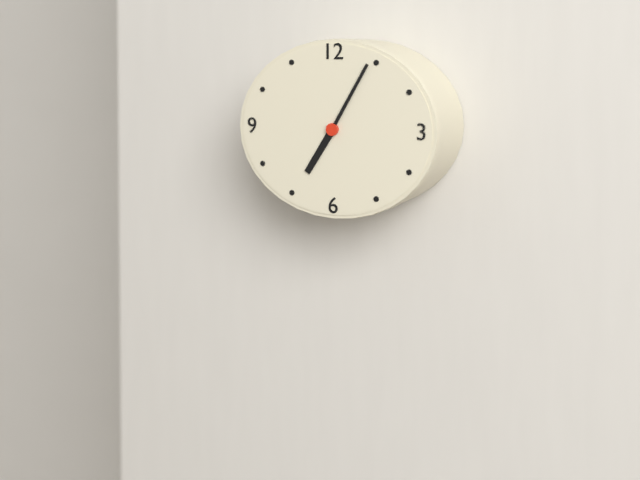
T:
**7:05**
